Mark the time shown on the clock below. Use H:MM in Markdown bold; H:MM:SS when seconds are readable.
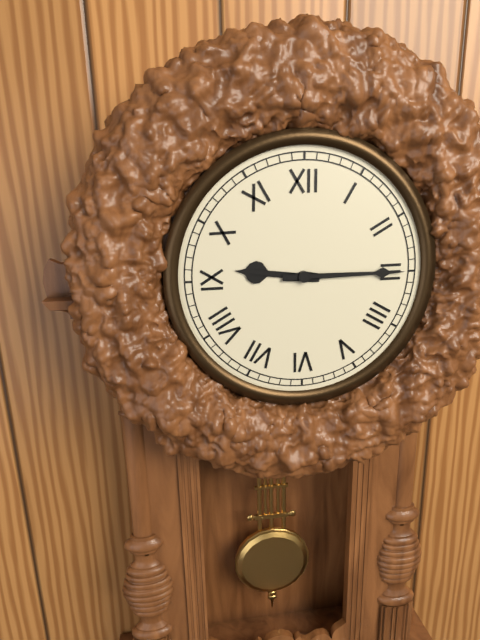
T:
**9:15**
